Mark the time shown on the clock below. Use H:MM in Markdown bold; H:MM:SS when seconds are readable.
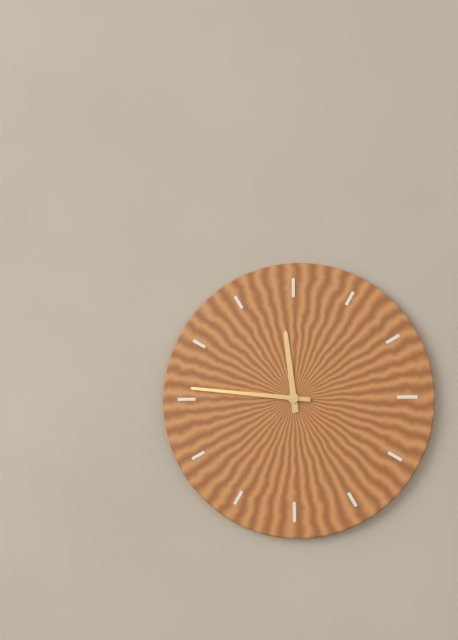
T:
**11:46**
